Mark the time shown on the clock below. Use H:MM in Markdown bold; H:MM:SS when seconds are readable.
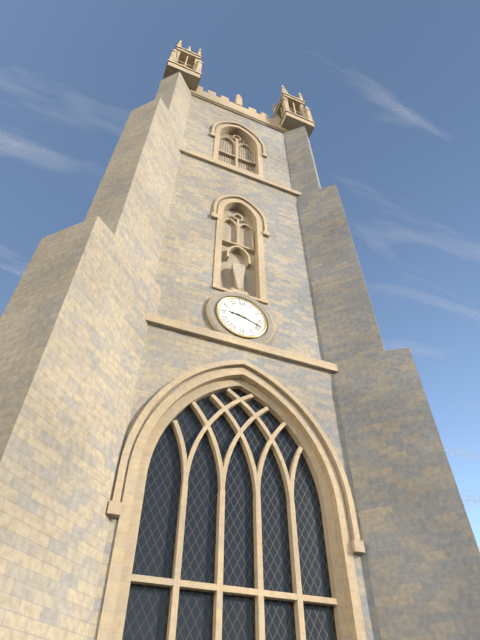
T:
**9:18**
